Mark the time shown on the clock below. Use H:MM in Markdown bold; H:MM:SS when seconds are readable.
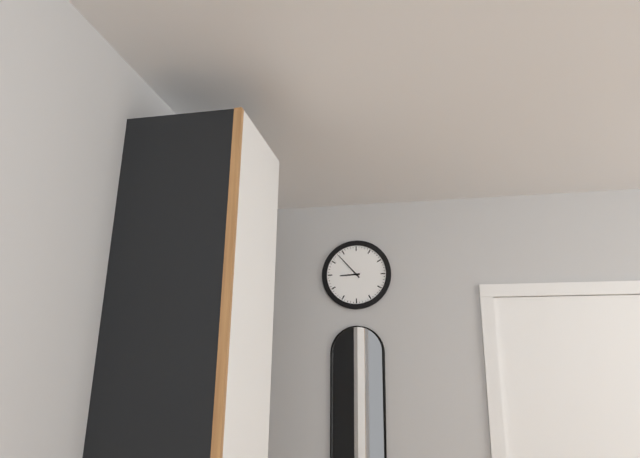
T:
**8:53**
